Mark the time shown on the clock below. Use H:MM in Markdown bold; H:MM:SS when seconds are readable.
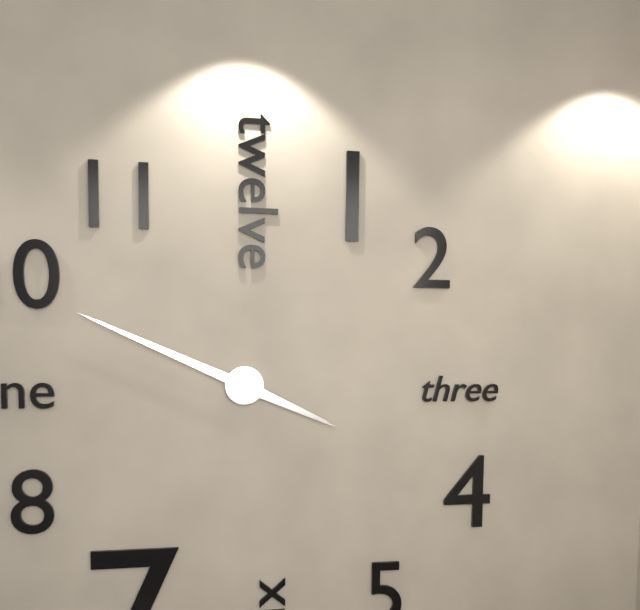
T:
**3:49**
